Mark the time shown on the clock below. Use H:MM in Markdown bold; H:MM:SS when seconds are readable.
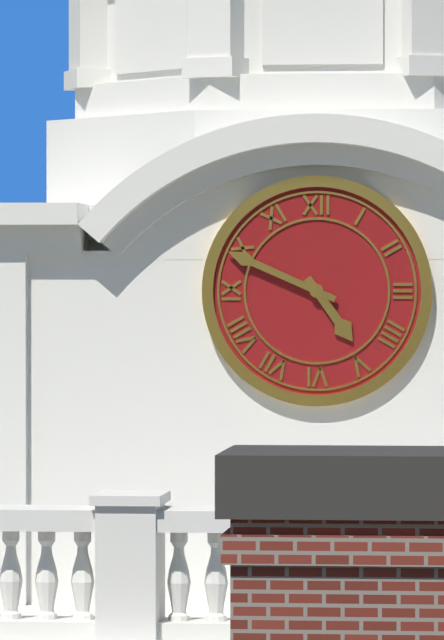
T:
**4:49**
